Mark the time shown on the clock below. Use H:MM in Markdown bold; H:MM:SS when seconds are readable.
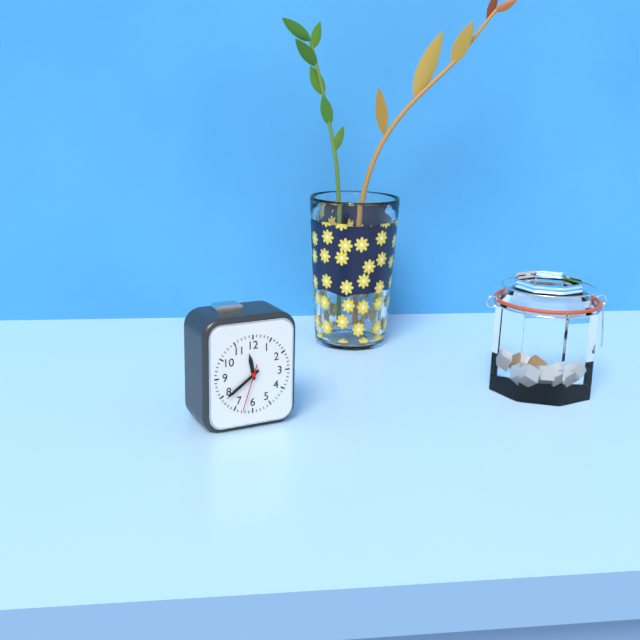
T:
**11:39**
